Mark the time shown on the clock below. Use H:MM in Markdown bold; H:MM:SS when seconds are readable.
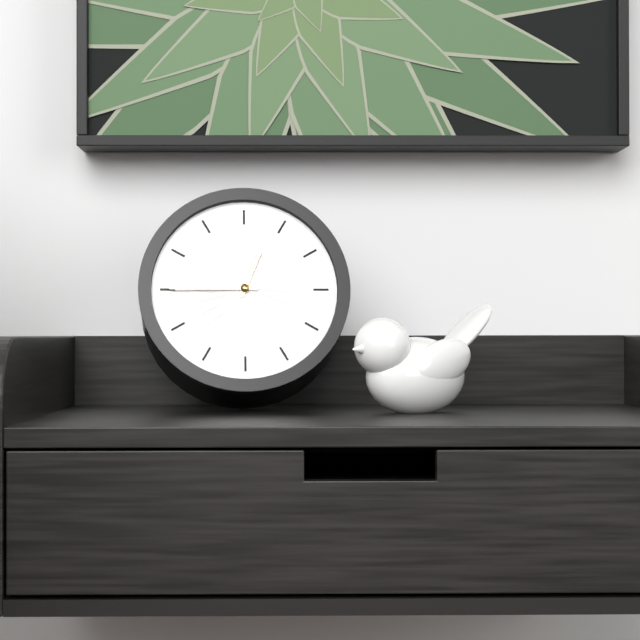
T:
**12:45**
